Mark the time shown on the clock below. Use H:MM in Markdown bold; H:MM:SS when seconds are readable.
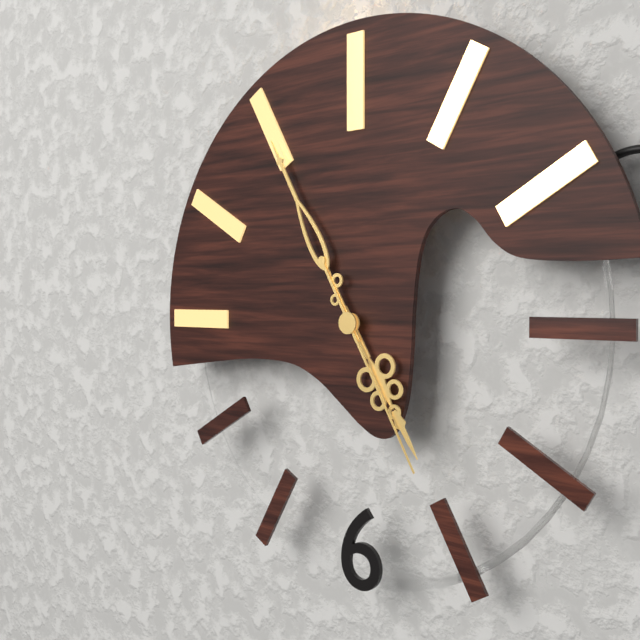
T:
**4:55:25**
